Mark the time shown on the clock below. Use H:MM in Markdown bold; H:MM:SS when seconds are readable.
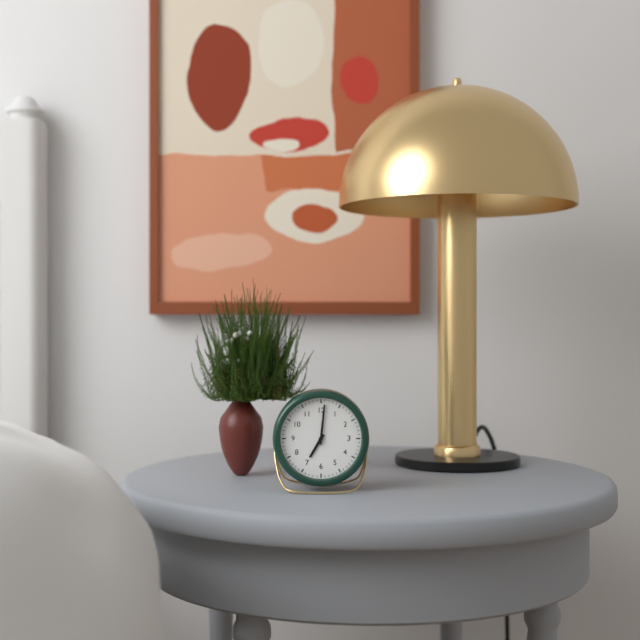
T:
**7:01**
